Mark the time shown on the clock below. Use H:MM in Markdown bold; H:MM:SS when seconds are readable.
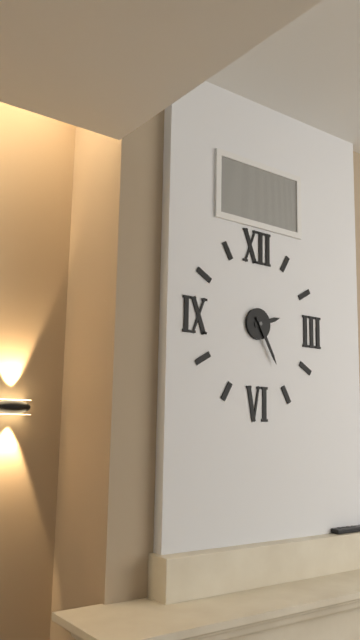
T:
**2:25**
